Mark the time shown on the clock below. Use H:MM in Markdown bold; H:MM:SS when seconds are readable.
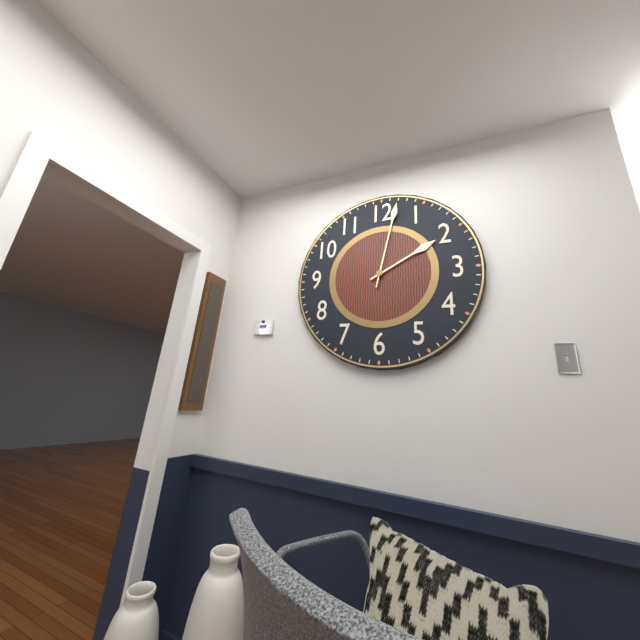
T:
**2:02**
